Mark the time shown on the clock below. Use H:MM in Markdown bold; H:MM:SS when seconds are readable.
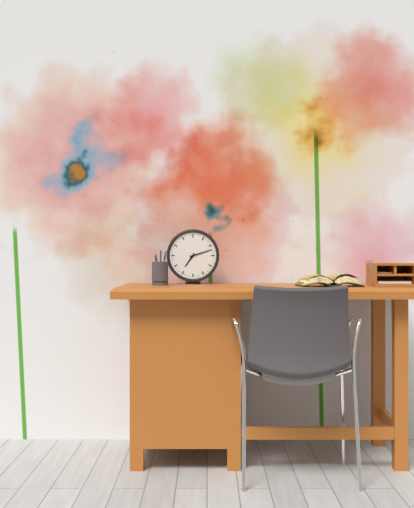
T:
**7:12**
